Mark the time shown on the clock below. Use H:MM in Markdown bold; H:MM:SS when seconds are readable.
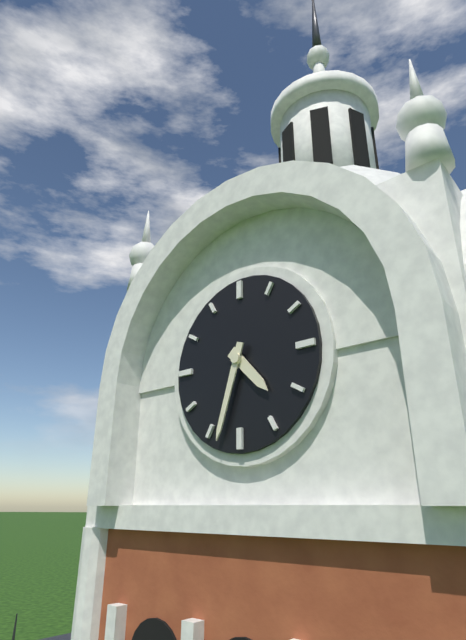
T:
**4:33**
